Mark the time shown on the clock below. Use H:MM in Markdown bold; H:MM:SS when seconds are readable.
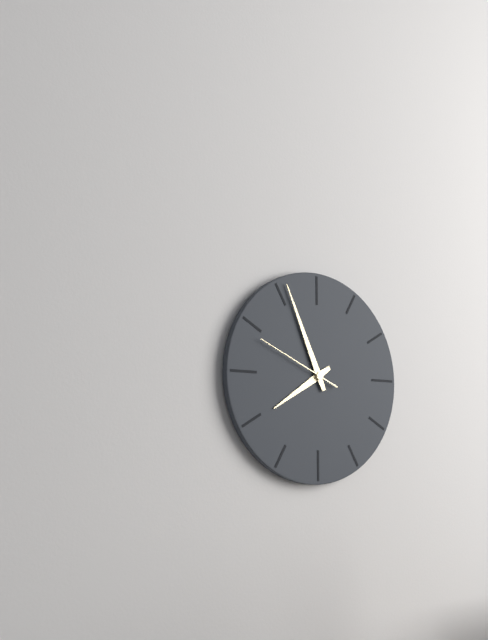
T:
**7:56:49**
